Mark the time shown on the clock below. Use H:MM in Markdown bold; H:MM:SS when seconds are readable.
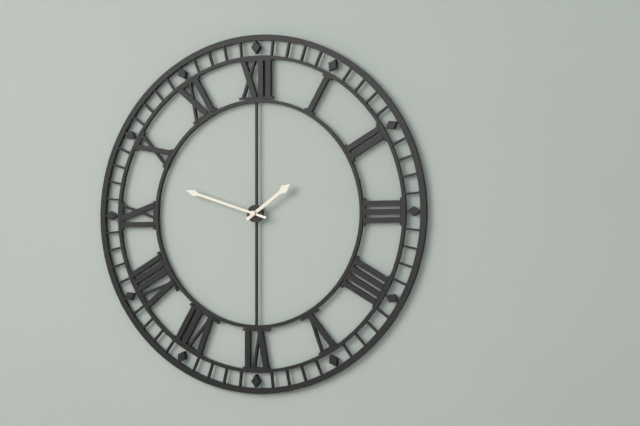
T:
**1:48**
